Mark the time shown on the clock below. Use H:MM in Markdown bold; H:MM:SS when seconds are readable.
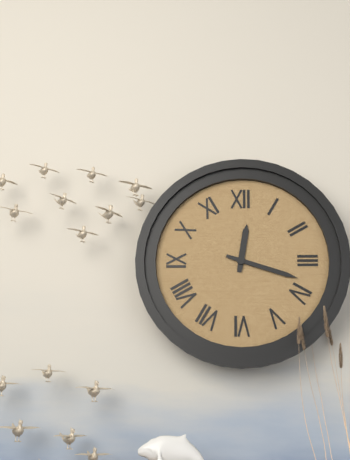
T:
**12:18**
